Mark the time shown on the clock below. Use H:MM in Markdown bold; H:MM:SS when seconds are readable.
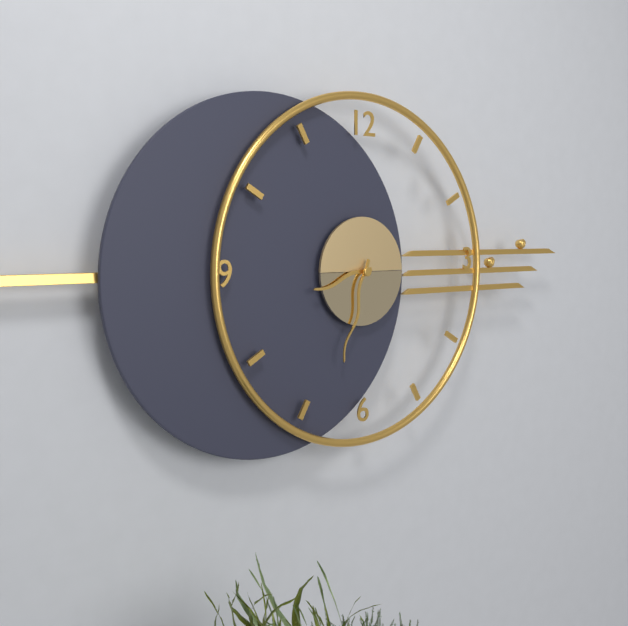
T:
**8:33**
